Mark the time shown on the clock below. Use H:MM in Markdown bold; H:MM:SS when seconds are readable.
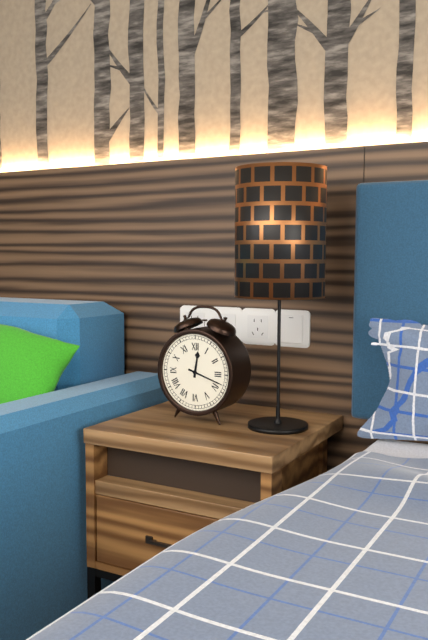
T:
**12:18**
